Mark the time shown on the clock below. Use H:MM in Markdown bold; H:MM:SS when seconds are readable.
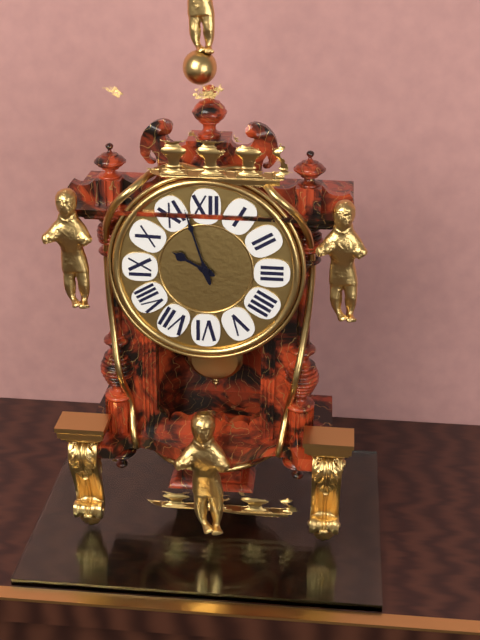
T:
**9:57**
